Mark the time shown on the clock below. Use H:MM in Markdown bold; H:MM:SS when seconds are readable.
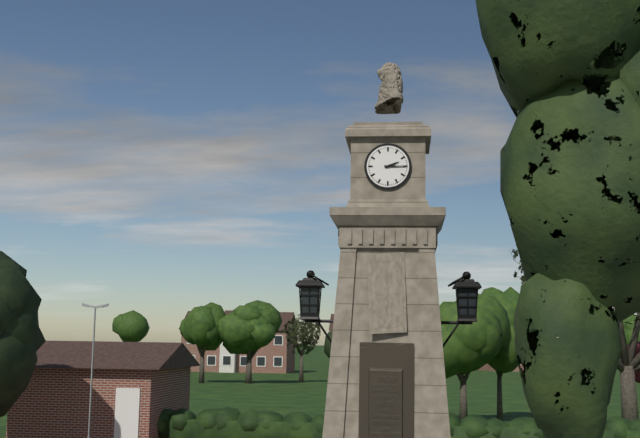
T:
**2:15**
